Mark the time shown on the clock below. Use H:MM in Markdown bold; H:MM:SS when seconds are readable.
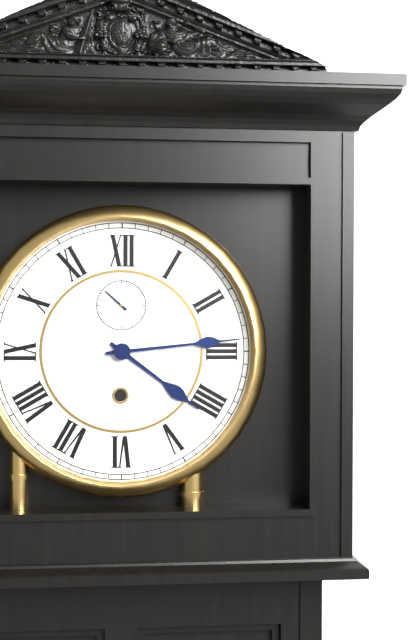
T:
**4:14**
